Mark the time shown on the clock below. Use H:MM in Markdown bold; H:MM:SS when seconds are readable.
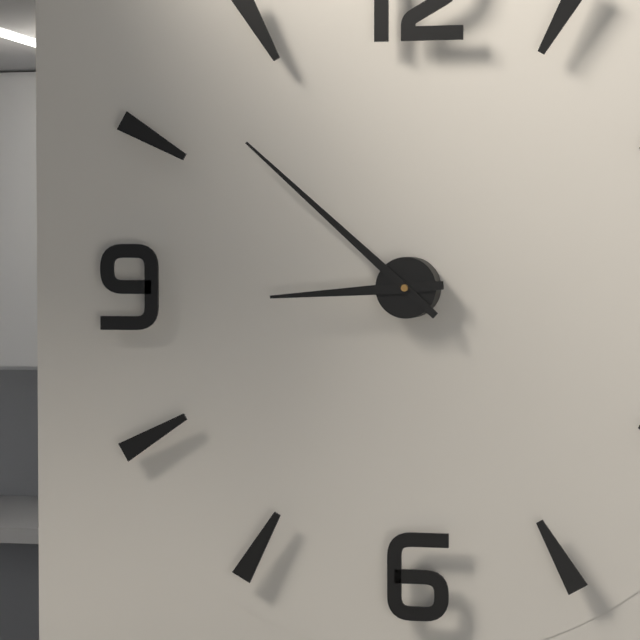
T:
**8:52**
